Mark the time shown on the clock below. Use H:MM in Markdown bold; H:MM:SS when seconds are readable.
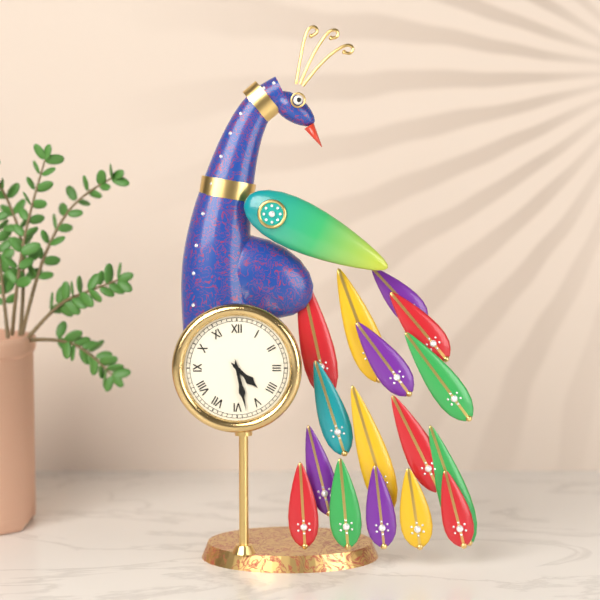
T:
**4:28**
